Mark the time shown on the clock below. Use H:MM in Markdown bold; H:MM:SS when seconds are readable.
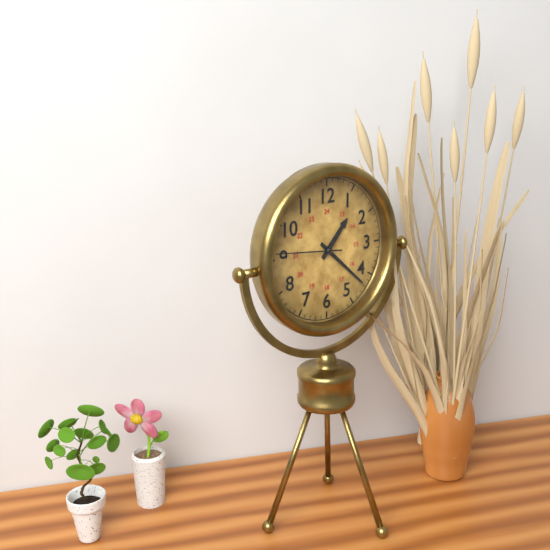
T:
**1:22:46**
